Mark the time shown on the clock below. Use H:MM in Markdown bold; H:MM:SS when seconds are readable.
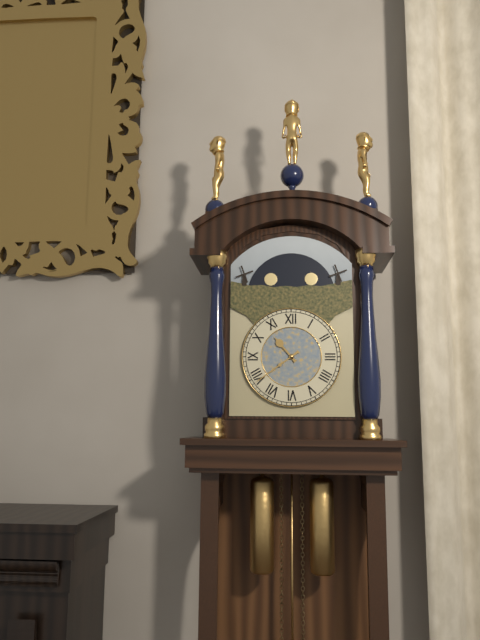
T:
**10:39**
